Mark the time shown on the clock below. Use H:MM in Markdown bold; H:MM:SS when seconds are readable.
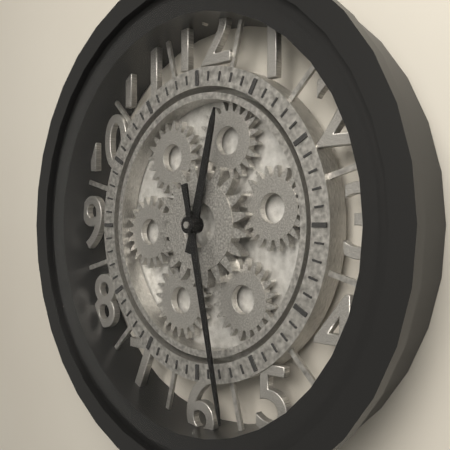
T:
**12:28**
